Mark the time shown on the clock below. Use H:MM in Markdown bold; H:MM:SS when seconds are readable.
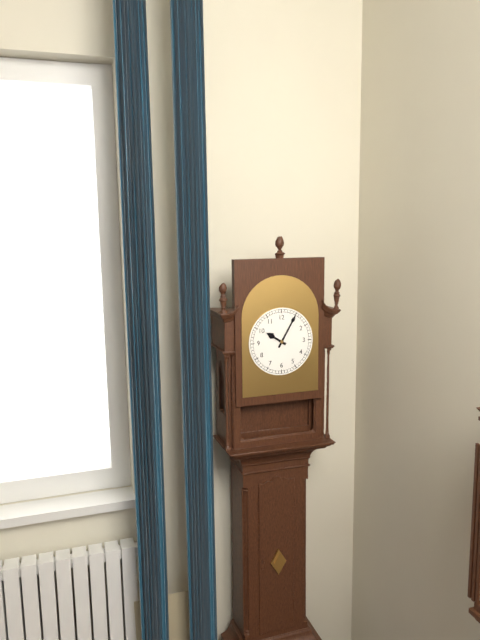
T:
**10:05**
